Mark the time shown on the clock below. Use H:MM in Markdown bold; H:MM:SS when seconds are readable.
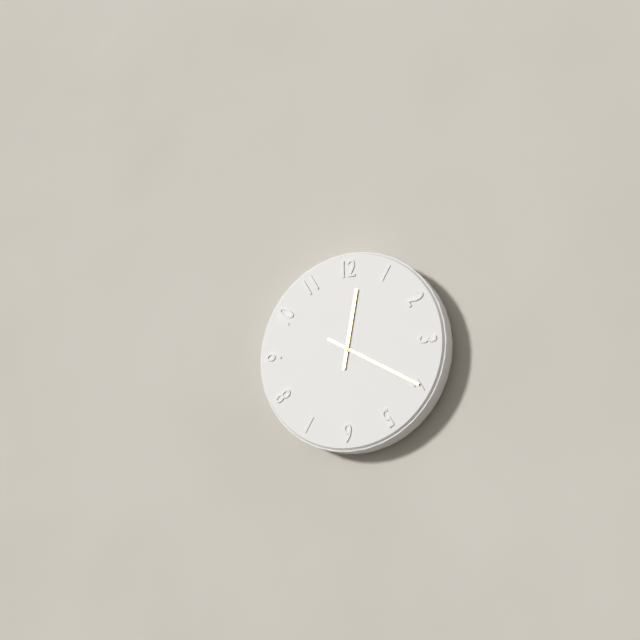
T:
**12:20**
